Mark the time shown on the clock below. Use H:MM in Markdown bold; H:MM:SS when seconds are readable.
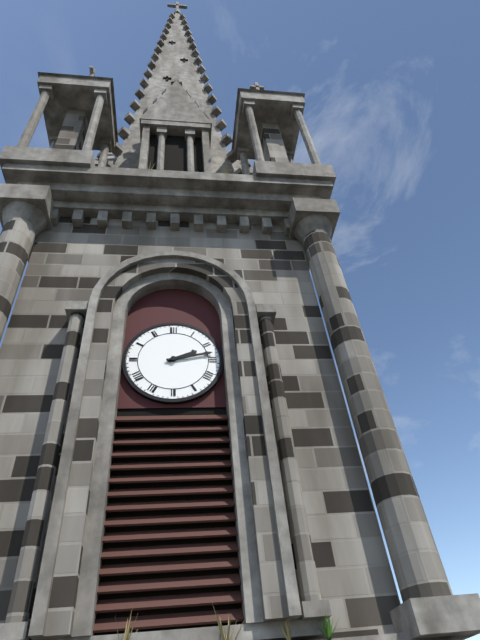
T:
**2:13**
